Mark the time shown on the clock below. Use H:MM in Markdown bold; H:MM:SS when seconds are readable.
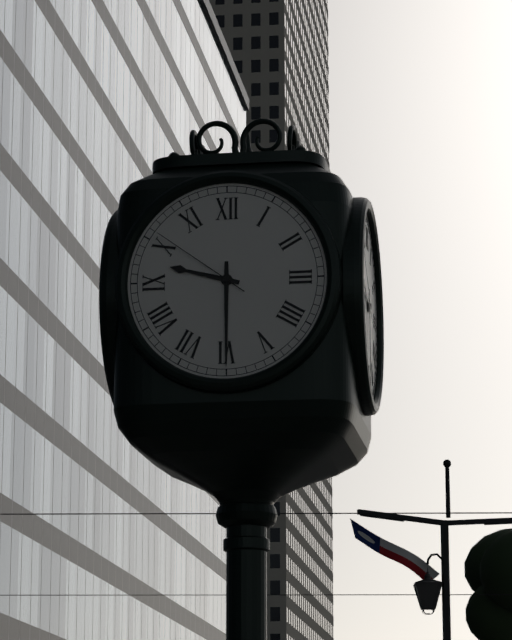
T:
**9:30:51**
